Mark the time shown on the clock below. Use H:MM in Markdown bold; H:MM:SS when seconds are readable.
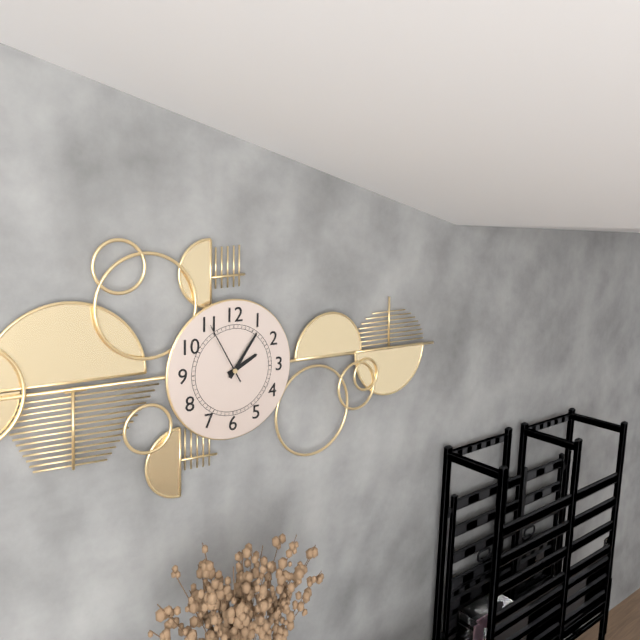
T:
**2:06:55**
